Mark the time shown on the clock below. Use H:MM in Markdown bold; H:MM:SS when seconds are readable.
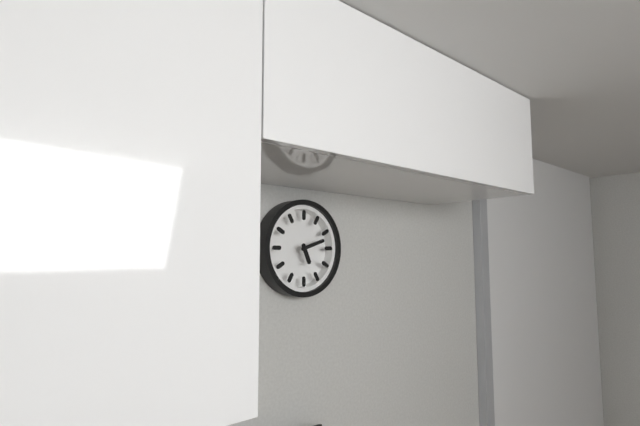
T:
**5:12**
